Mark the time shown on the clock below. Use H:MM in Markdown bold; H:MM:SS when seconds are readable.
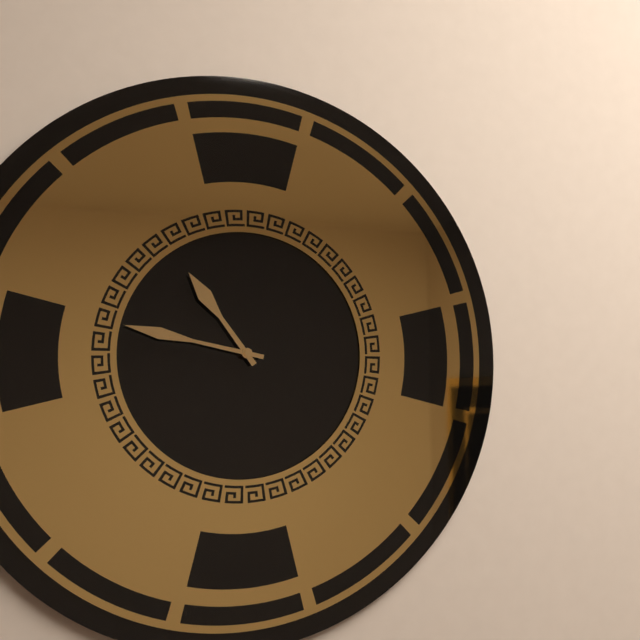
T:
**10:47**
